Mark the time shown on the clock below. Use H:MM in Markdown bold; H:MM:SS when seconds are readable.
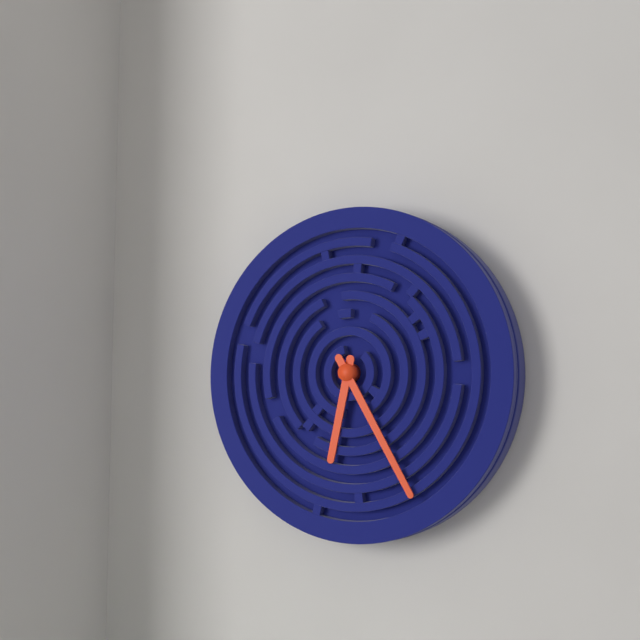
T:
**6:25**
